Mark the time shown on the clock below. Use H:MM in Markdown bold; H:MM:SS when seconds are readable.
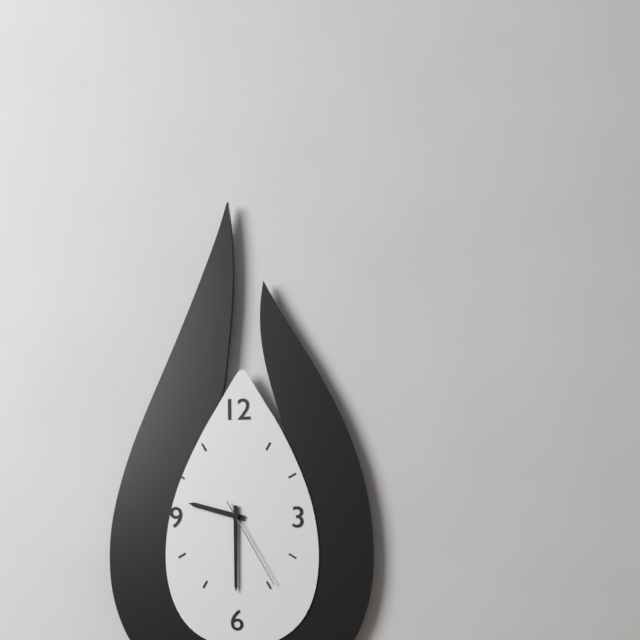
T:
**9:30:25**
